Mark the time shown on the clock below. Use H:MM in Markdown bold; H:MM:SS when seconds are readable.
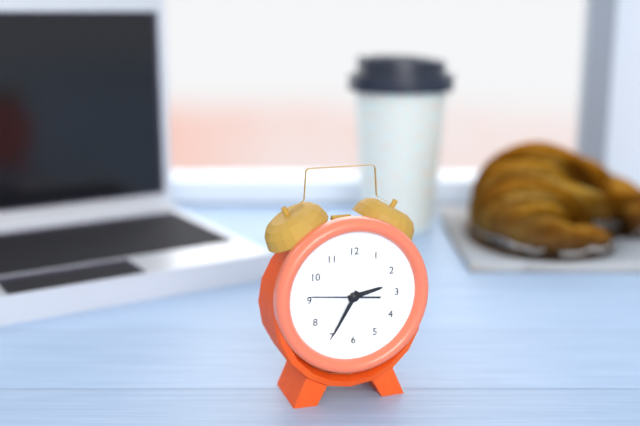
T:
**2:35:46**
